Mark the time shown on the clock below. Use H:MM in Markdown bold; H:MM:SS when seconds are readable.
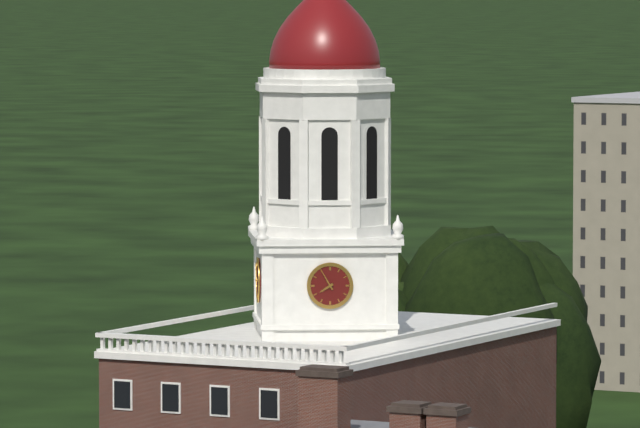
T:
**7:55**
